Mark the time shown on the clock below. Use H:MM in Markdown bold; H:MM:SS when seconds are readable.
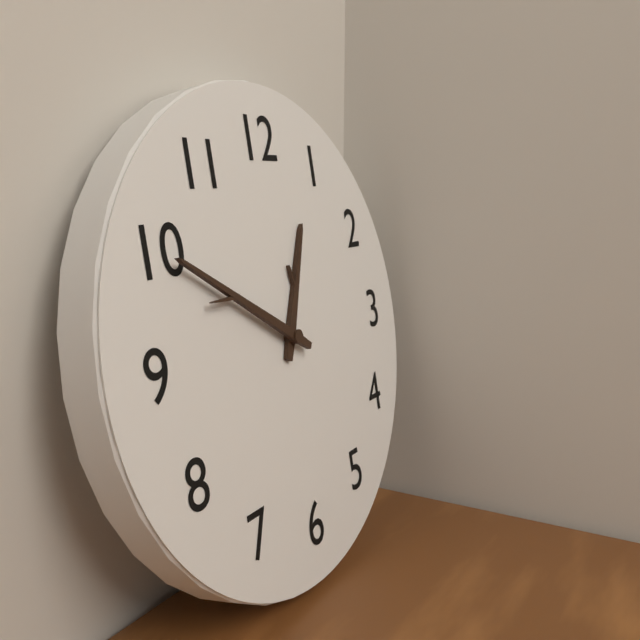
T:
**12:50**
